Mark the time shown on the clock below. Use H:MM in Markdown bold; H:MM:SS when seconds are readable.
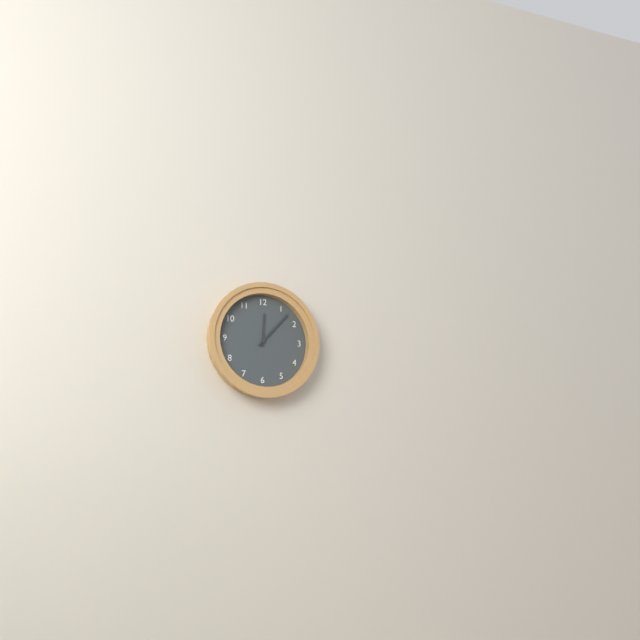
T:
**12:07**
